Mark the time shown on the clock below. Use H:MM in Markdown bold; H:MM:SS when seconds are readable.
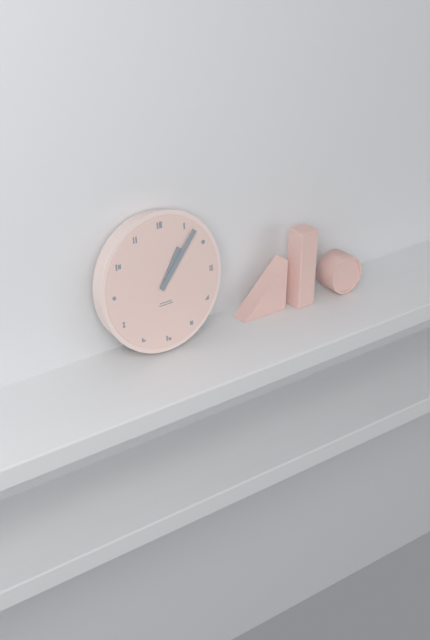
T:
**1:07**
